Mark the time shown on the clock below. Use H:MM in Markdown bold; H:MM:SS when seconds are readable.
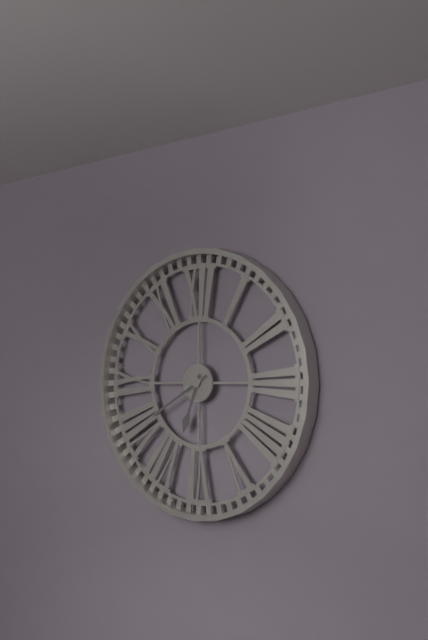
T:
**6:40**
